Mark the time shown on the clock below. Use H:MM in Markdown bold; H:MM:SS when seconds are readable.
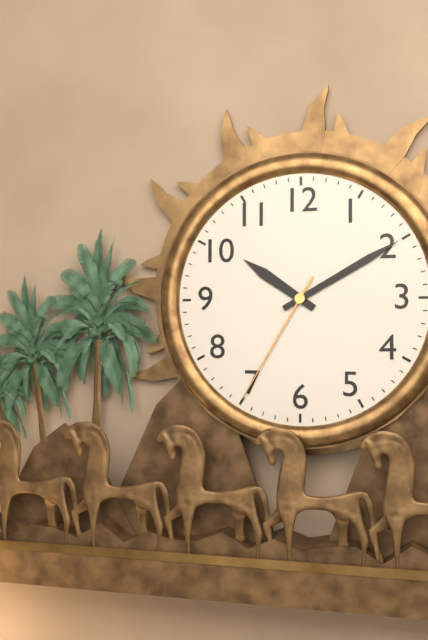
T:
**10:10:35**
